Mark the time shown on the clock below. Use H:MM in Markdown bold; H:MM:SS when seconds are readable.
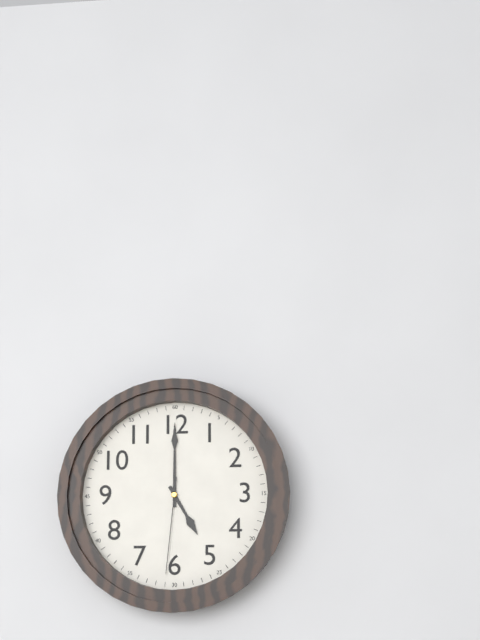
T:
**5:00:31**
